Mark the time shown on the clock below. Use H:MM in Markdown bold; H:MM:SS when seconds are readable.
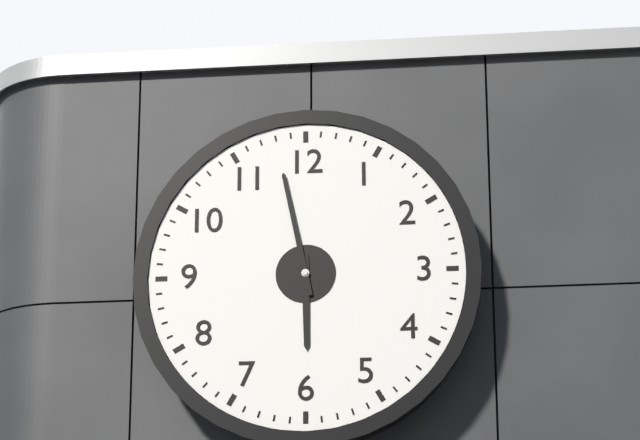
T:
**5:58**
